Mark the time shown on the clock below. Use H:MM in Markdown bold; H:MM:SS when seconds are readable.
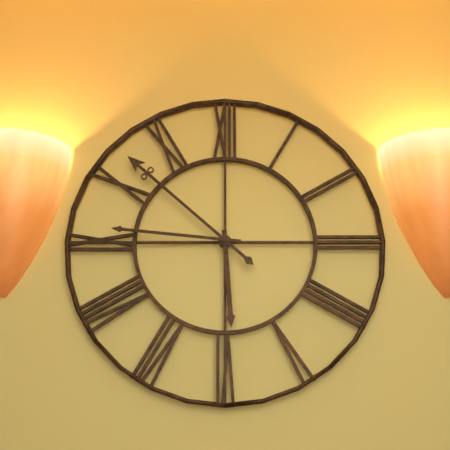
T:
**5:52:46**
